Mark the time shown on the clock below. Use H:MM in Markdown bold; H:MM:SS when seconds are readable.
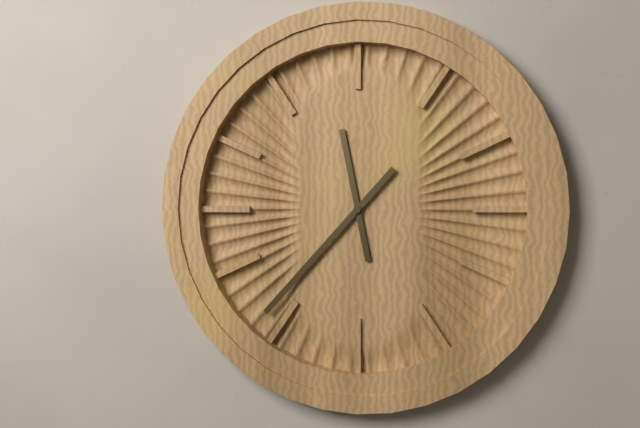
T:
**11:37**
